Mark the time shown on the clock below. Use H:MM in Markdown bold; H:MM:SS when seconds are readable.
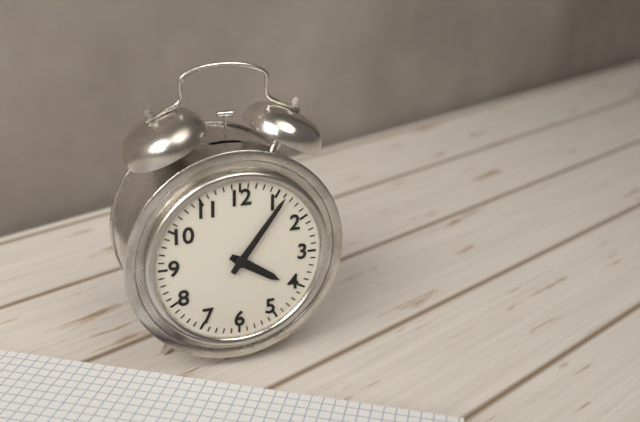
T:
**4:06**
